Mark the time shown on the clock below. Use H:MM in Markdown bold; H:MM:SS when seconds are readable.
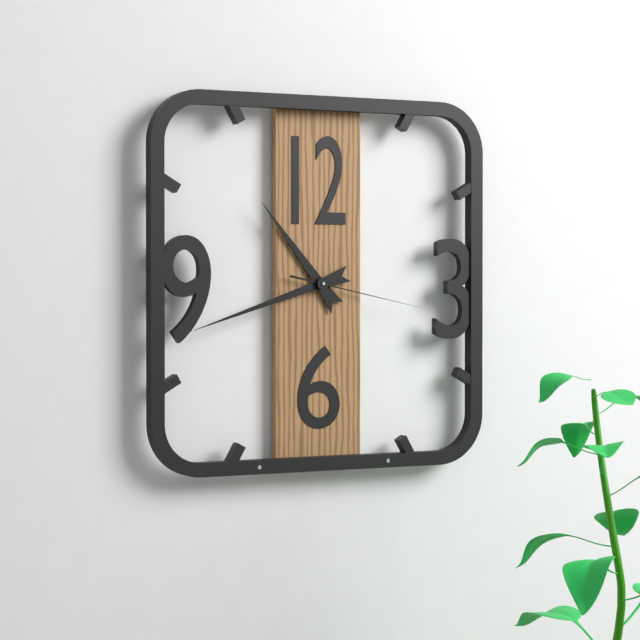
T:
**10:42:17**
